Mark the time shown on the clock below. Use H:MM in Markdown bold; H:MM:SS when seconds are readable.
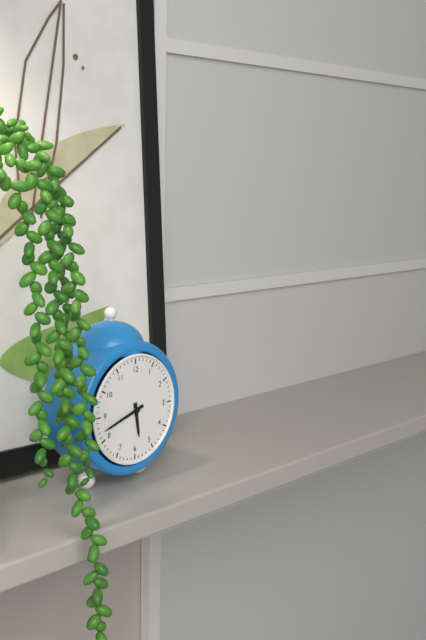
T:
**5:42**
